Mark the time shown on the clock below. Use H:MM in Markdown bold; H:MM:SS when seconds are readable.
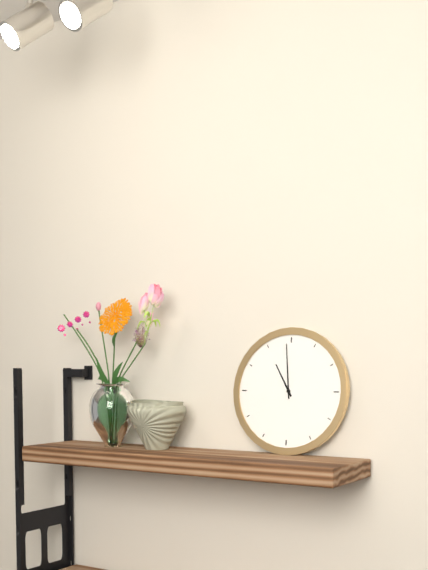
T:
**10:59**
